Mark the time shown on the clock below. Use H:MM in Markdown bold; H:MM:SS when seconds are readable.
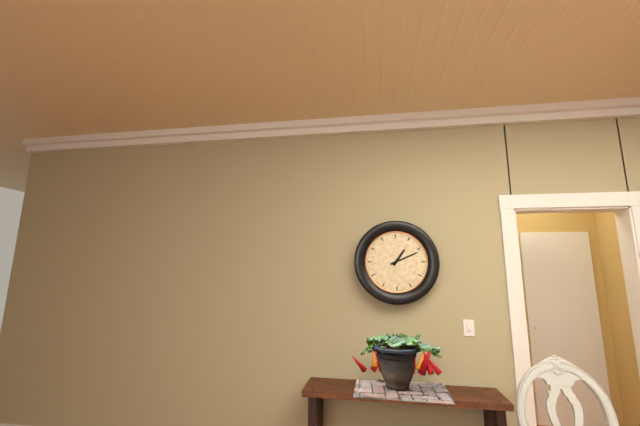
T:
**1:11**
